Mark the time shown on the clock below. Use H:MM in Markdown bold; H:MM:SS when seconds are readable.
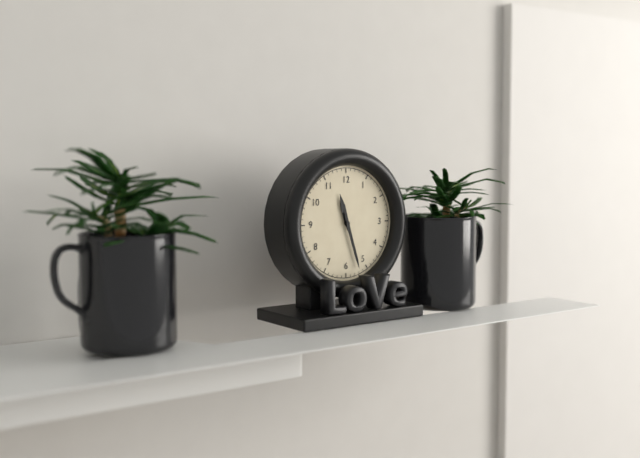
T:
**11:27**
